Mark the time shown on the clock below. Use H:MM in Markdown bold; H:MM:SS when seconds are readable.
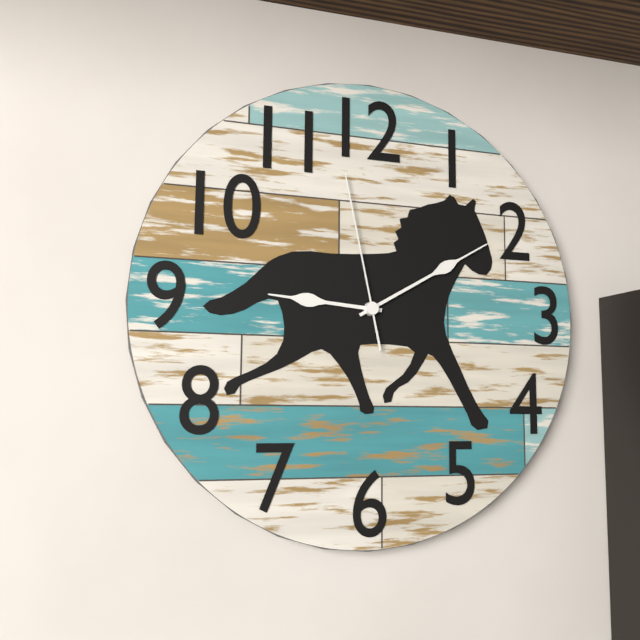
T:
**9:10:58**
